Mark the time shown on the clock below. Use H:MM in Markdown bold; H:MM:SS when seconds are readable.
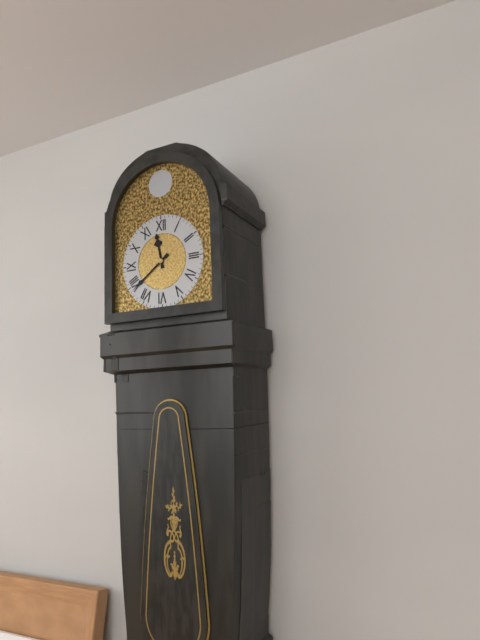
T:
**11:39**
